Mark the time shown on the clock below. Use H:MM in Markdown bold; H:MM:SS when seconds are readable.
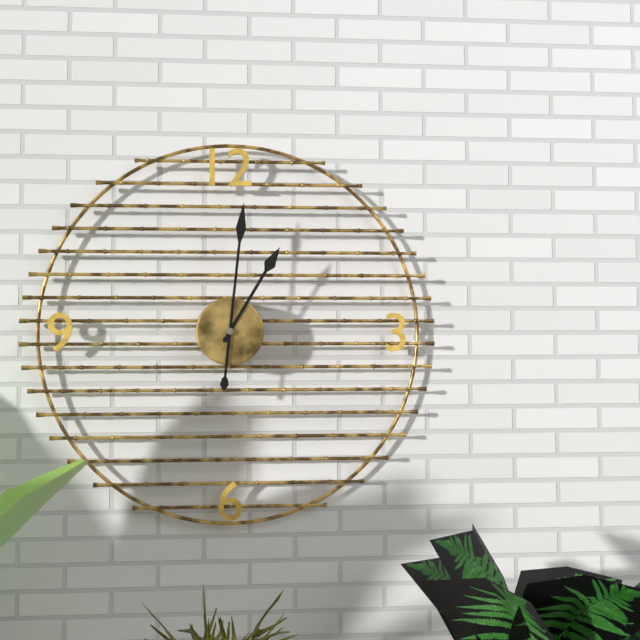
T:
**1:01**
